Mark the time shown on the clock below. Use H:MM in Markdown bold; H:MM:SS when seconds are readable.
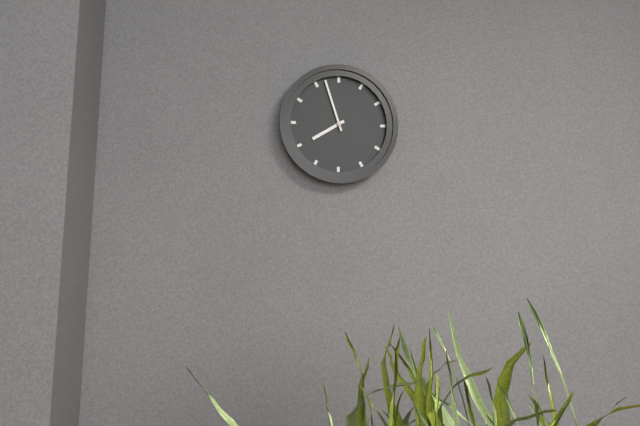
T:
**7:57**
